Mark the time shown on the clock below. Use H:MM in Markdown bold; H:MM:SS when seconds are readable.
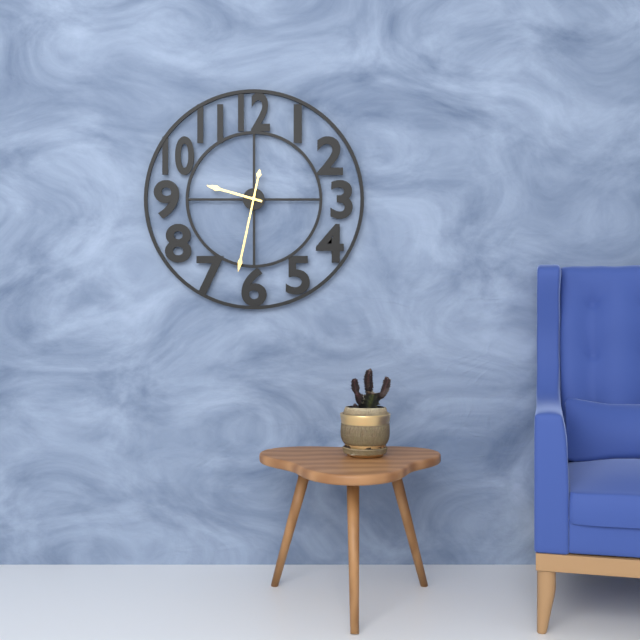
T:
**9:32**
